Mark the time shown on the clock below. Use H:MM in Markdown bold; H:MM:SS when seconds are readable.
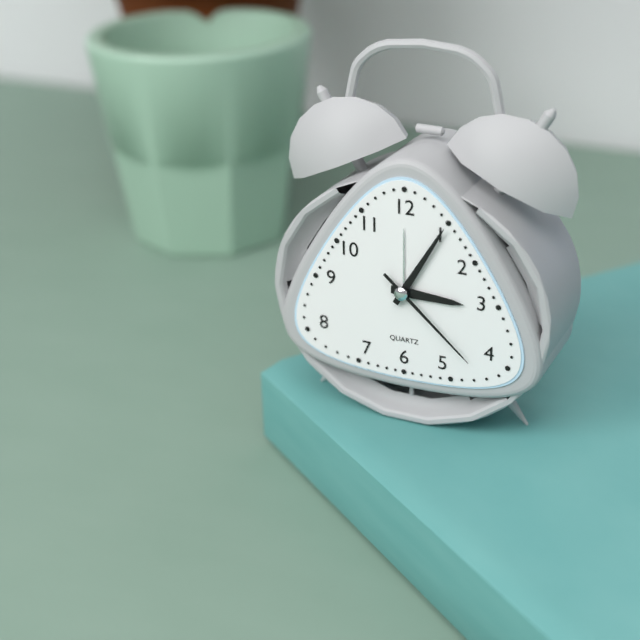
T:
**3:05:22**
